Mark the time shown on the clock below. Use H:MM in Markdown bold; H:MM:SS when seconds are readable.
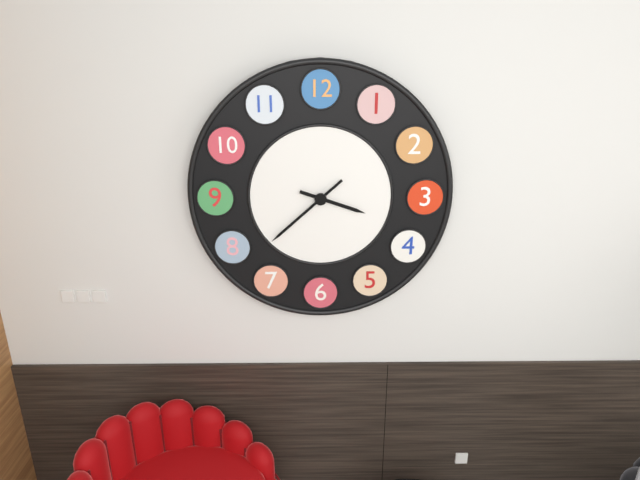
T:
**3:38**
